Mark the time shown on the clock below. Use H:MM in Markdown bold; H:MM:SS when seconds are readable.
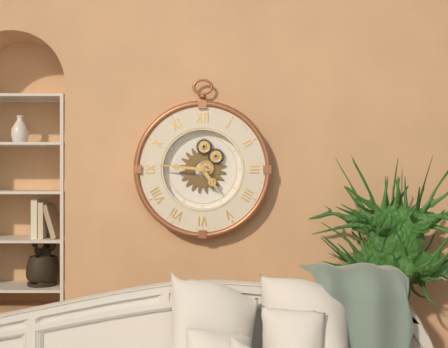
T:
**4:46**
